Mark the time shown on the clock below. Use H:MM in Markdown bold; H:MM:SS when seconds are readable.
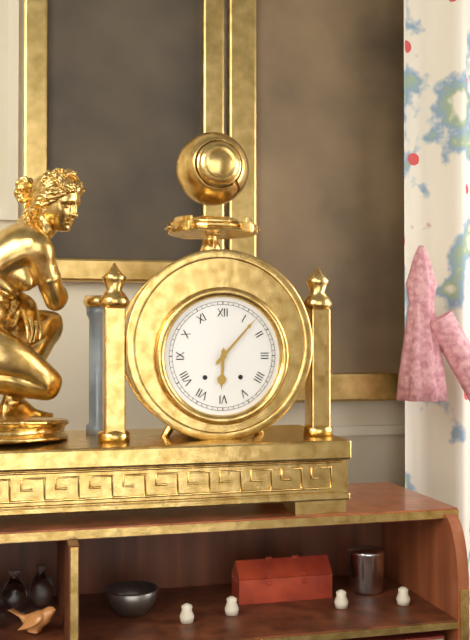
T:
**6:07**
